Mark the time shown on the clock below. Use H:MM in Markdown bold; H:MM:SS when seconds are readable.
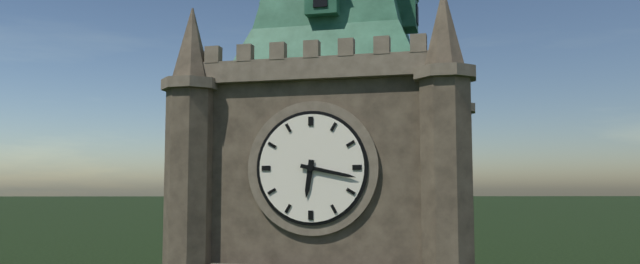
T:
**6:17**
